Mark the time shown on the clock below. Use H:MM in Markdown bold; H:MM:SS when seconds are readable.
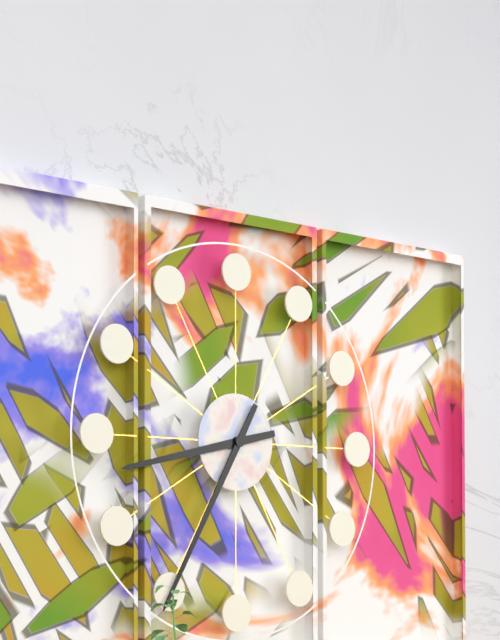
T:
**8:35**
